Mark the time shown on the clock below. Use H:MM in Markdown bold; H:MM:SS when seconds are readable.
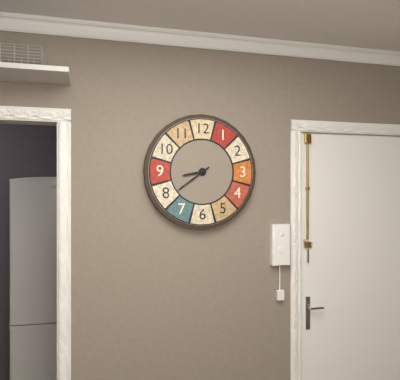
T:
**8:39**
